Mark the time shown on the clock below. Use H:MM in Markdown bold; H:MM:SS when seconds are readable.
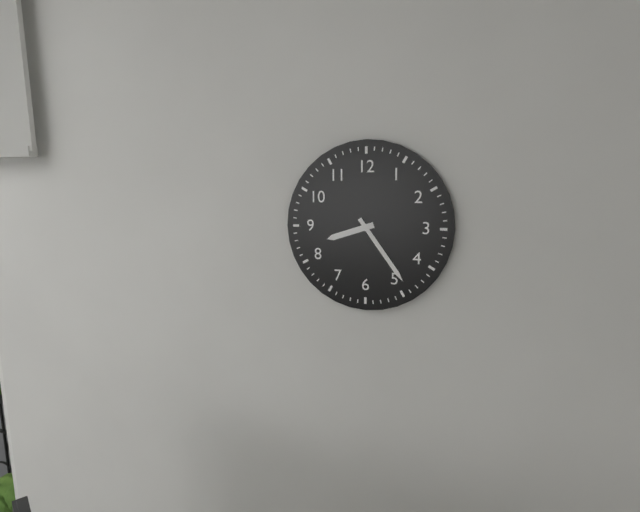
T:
**8:24**
